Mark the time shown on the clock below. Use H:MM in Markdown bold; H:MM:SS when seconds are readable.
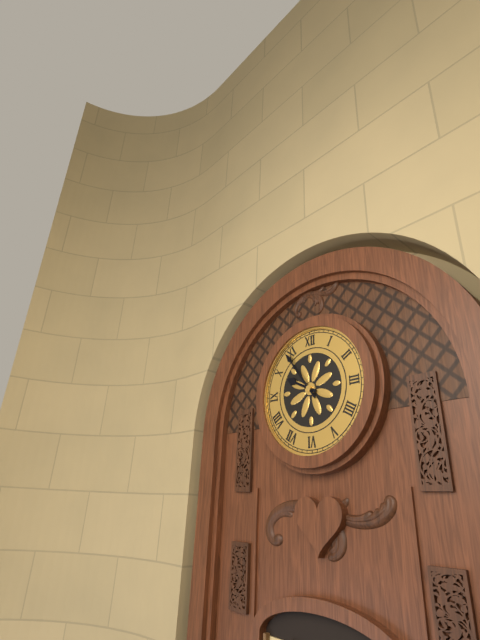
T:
**9:54**
